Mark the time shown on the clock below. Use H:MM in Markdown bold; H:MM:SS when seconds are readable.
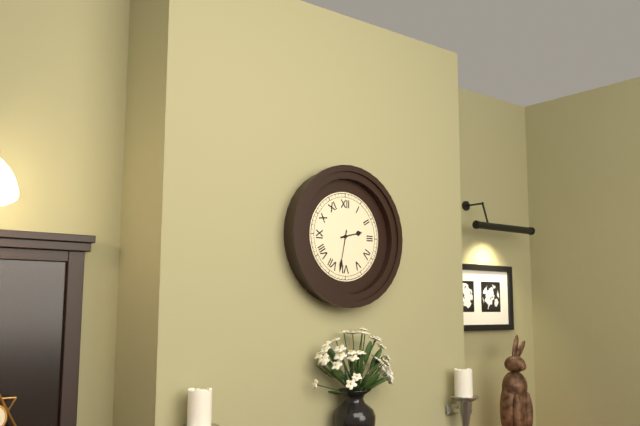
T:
**2:32**
